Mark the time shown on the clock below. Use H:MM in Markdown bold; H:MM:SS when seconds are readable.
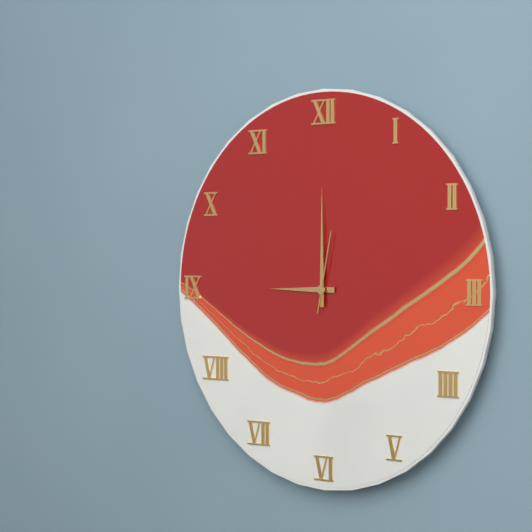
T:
**9:00:02**
